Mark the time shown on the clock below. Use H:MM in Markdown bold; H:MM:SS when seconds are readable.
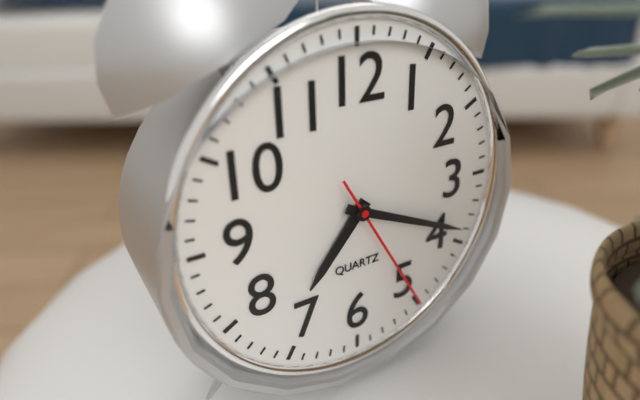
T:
**7:19:25**
